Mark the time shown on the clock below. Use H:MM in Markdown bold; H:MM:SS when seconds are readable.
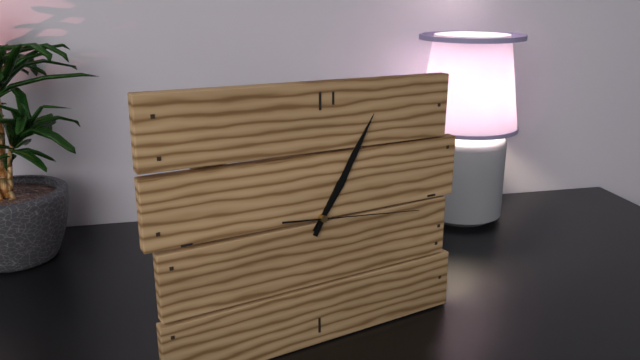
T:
**1:05:16**
